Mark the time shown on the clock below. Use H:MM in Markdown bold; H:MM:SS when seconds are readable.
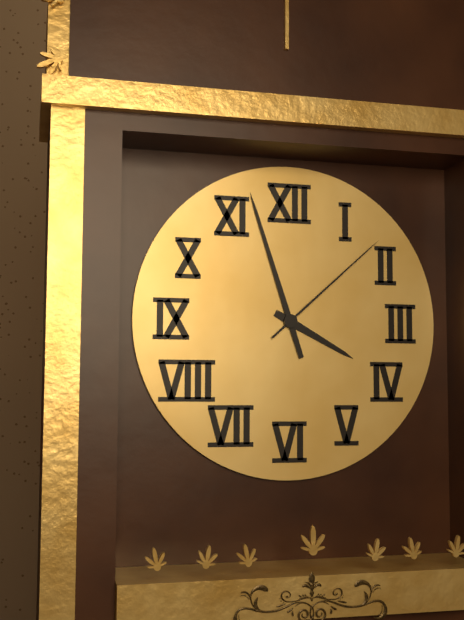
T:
**3:57:08**
